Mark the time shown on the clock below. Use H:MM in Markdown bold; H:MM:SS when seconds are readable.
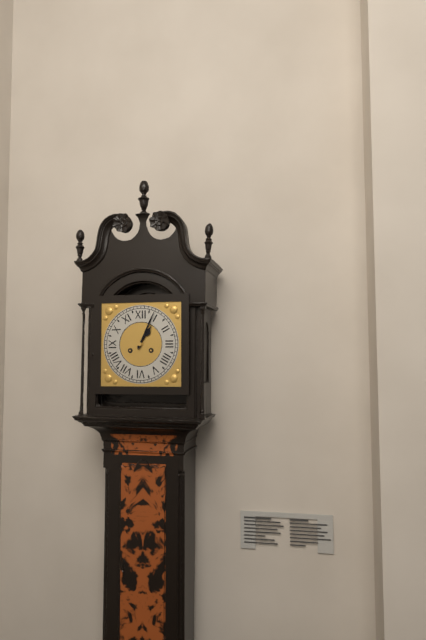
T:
**1:04**
